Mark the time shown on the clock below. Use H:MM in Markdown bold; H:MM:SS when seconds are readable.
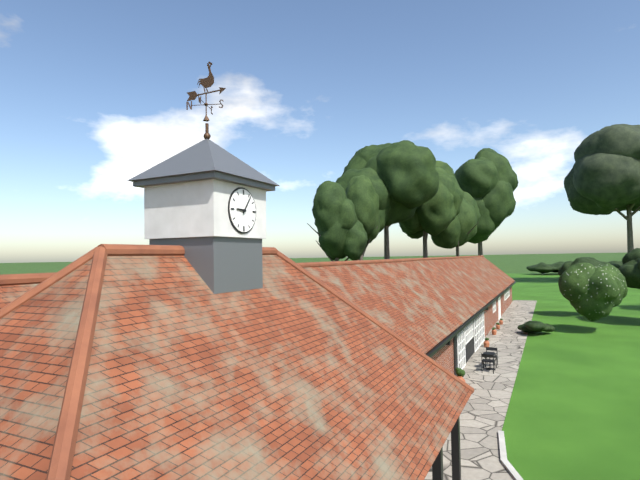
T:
**9:06**
